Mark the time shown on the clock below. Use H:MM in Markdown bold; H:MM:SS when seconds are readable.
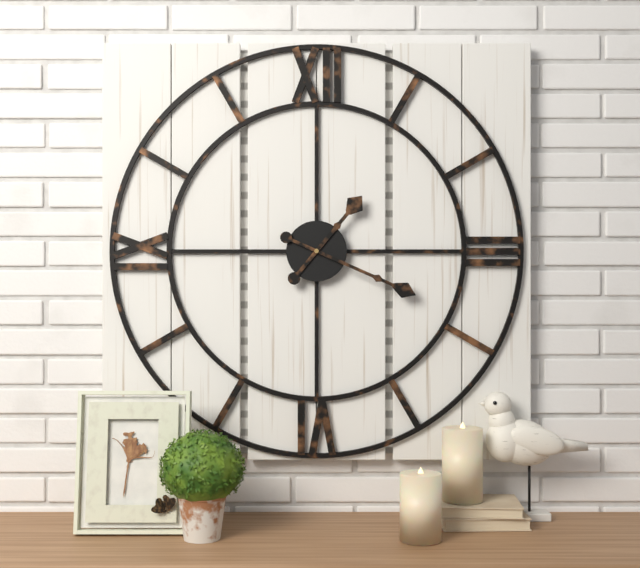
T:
**1:19**
